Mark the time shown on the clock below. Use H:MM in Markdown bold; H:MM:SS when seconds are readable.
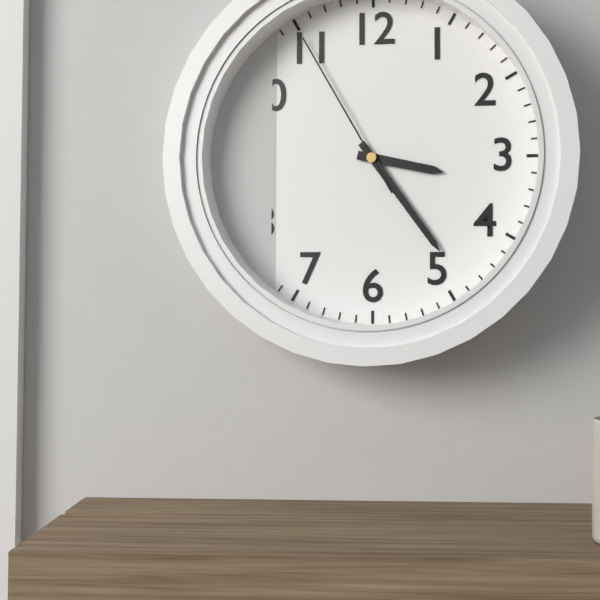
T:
**3:24:55**
